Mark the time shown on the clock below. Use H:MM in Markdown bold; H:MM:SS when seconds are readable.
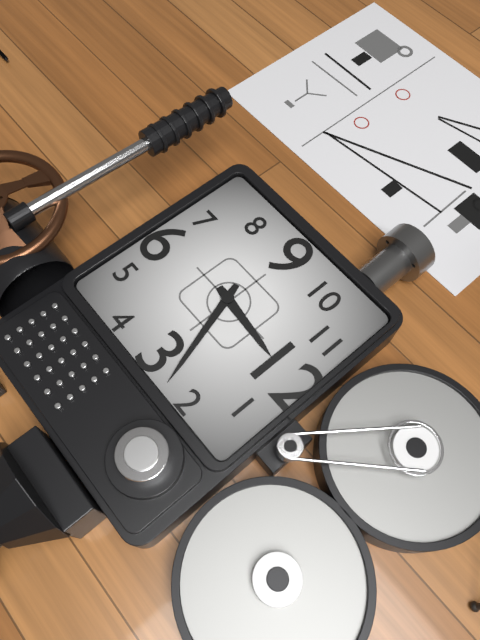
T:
**12:12**
